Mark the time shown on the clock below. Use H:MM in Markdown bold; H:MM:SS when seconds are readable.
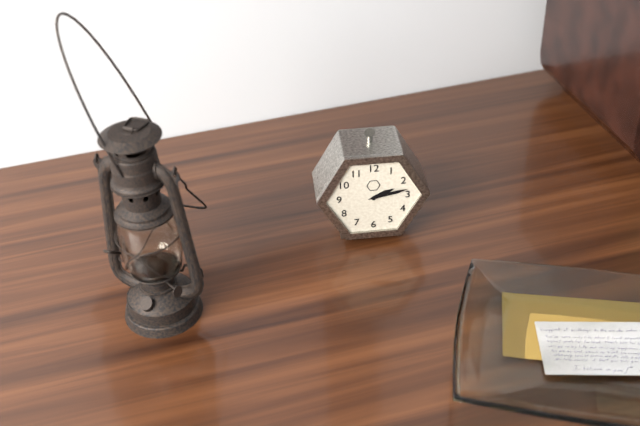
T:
**2:13**
